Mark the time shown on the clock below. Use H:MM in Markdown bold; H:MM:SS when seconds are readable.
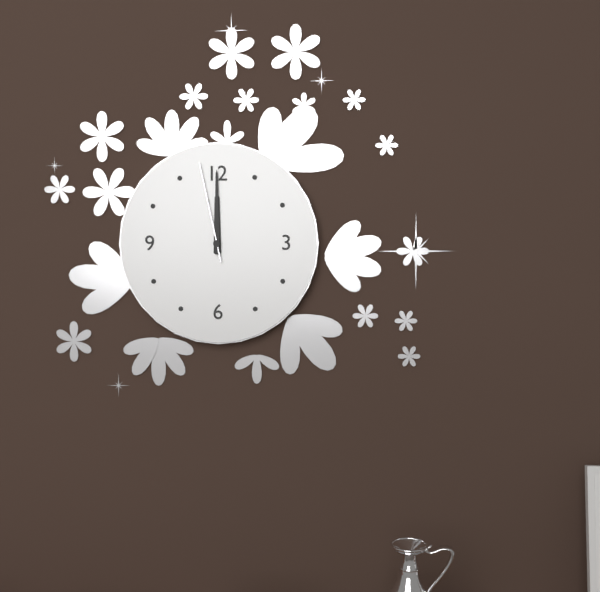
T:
**12:00:58**
